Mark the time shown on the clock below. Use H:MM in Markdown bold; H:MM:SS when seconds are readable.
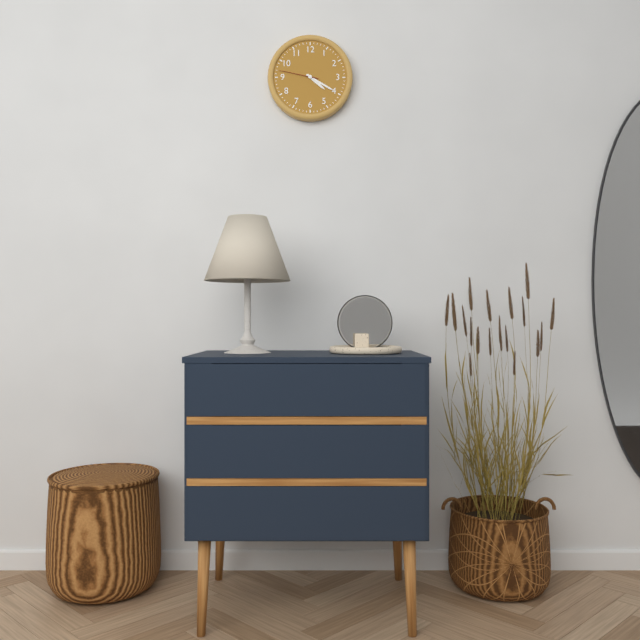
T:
**4:20**
